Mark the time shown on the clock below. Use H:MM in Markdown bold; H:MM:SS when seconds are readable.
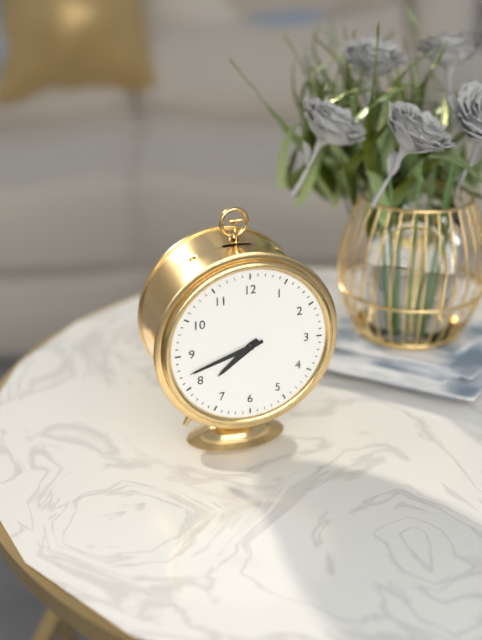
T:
**7:42**
